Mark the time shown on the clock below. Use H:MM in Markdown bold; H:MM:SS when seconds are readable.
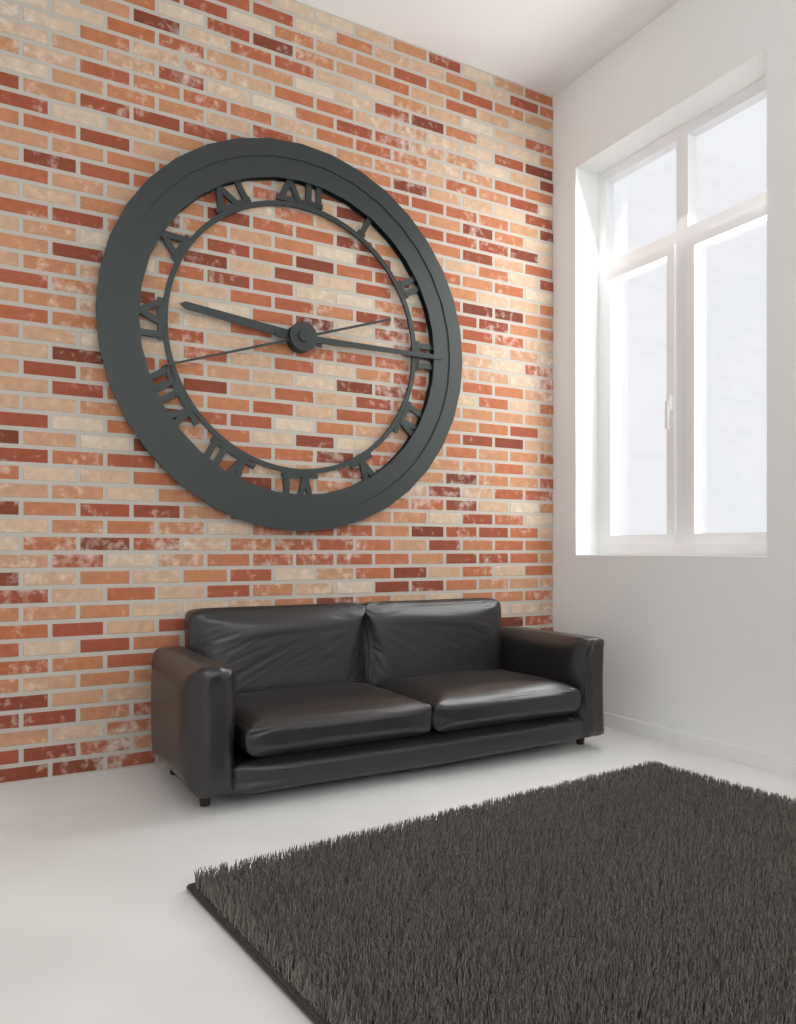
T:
**9:15:42**
